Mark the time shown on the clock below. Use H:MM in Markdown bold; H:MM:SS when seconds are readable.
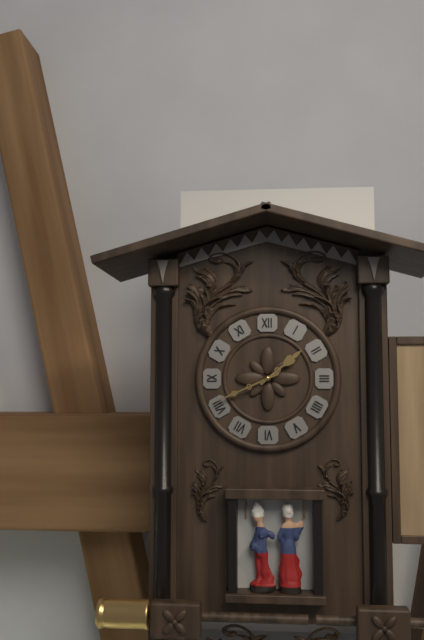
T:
**1:41**
